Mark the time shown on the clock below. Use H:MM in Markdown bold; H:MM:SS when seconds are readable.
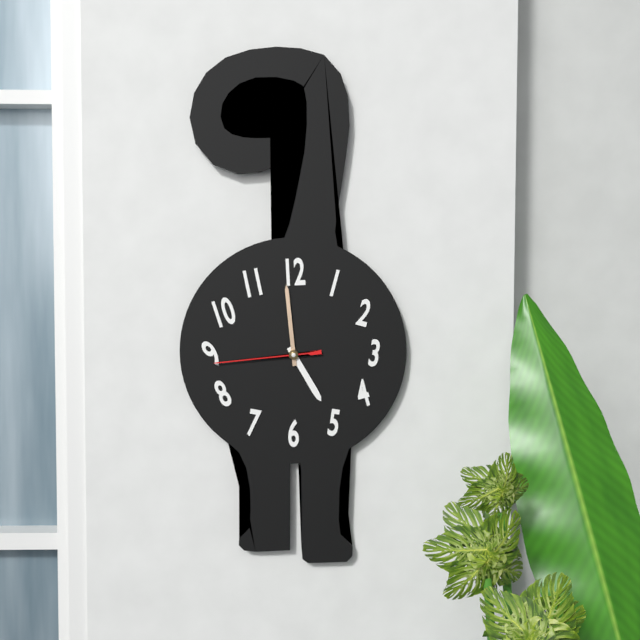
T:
**4:59:44**
